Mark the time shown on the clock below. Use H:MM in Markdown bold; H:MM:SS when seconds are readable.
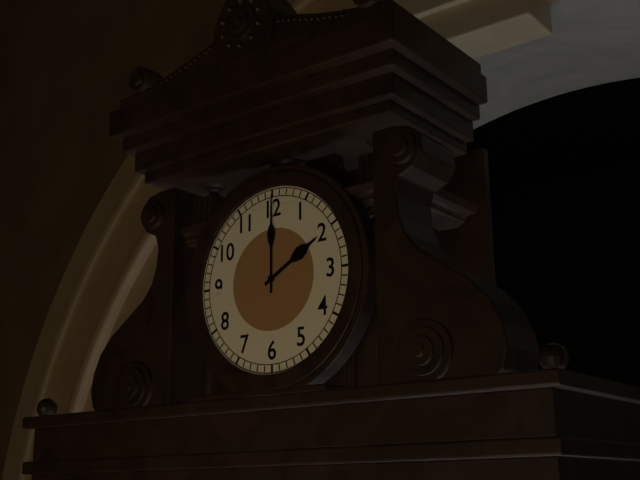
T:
**2:00**
